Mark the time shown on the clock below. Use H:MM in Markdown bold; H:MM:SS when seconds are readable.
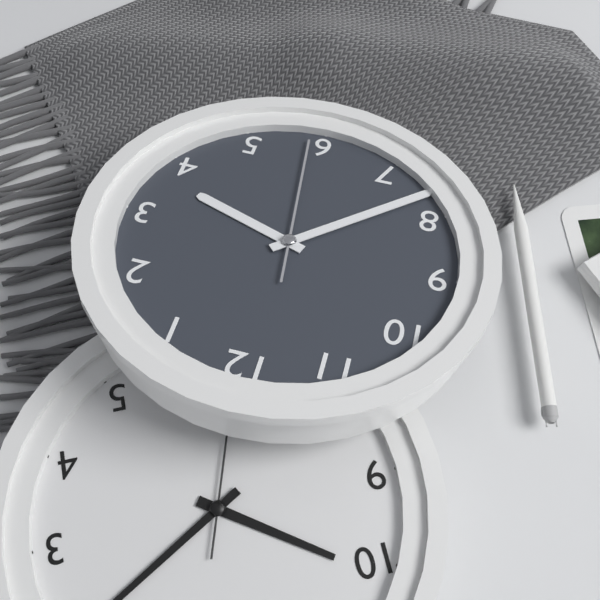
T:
**3:38:29**
